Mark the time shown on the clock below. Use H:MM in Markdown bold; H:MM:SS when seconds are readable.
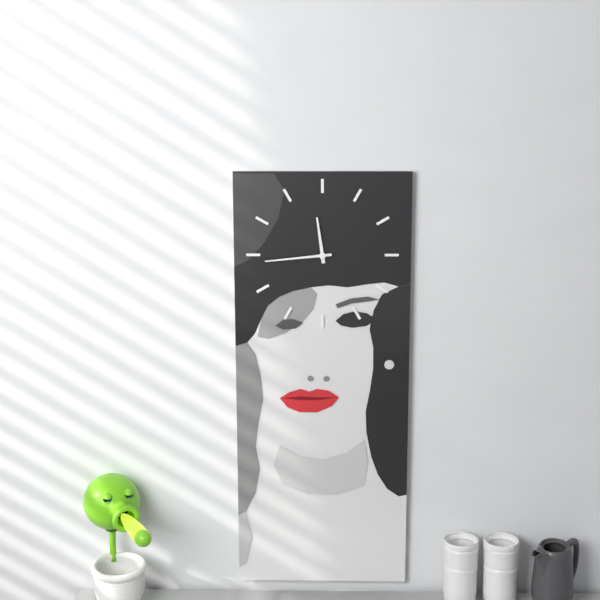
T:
**11:44**
